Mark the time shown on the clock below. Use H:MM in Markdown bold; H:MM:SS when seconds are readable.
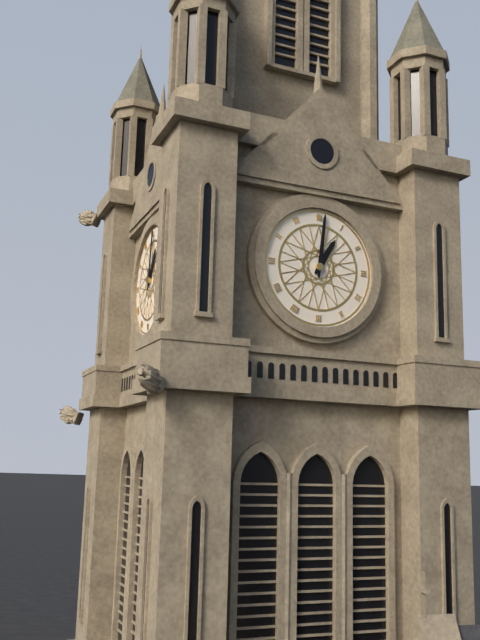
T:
**1:01**
